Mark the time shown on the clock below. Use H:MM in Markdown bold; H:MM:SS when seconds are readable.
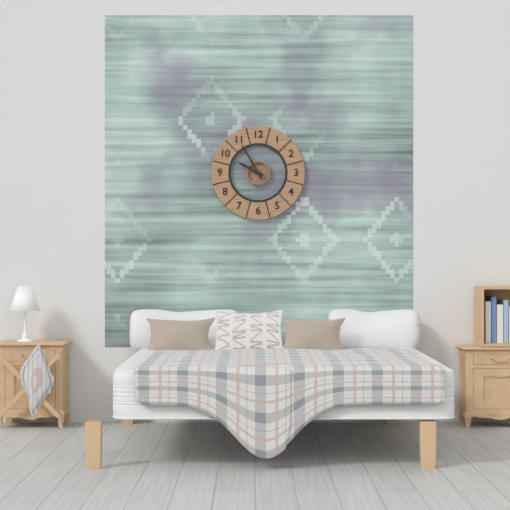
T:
**9:55**
